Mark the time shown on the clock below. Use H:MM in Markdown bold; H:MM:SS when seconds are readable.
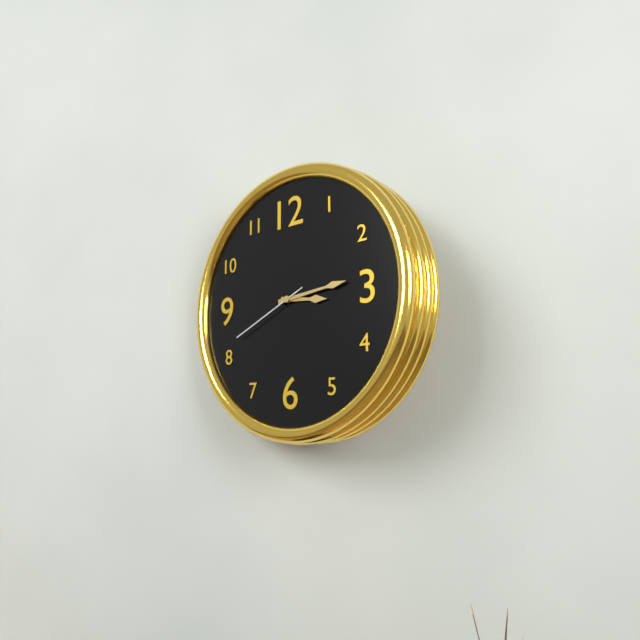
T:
**3:14:41**
